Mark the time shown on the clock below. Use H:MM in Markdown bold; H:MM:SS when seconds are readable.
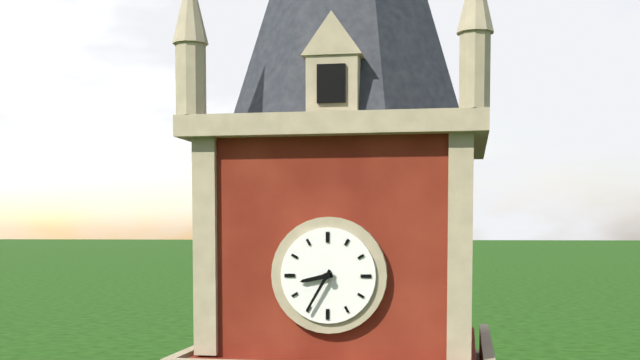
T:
**8:35**
